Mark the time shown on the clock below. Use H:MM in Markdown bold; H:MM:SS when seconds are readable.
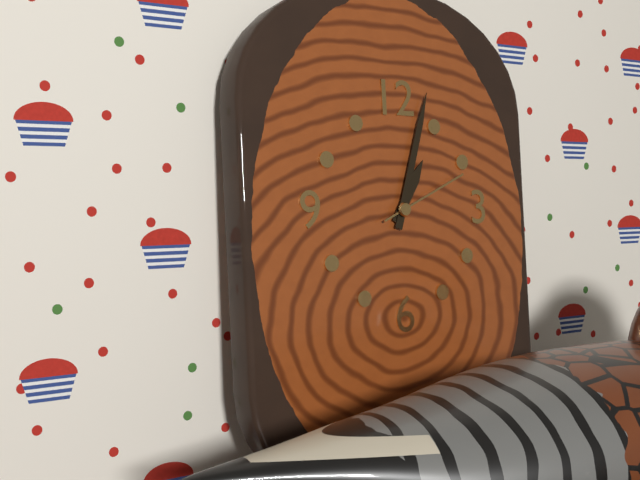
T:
**1:03:11**
